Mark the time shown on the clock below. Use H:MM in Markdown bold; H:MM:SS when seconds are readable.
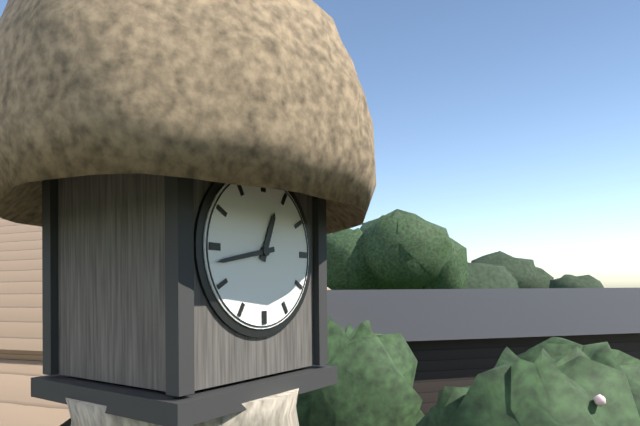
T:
**12:43**
